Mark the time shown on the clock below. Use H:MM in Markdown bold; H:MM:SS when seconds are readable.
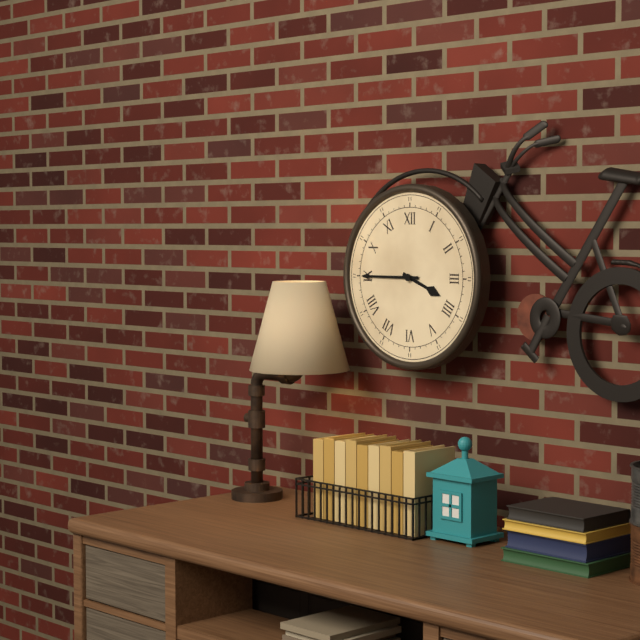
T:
**3:45**
